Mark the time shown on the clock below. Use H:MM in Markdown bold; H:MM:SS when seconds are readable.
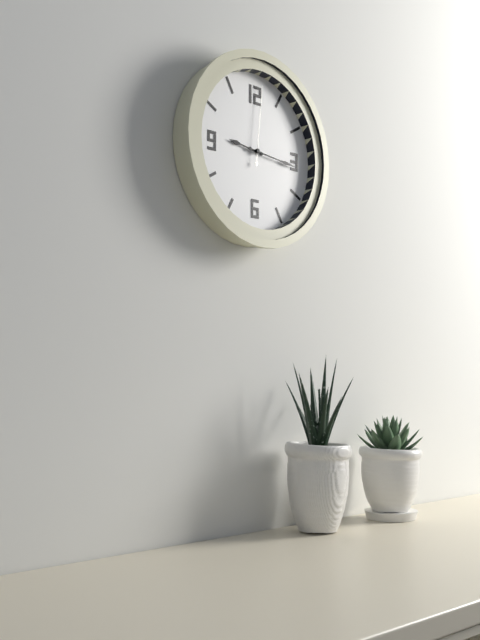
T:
**9:16:01**
